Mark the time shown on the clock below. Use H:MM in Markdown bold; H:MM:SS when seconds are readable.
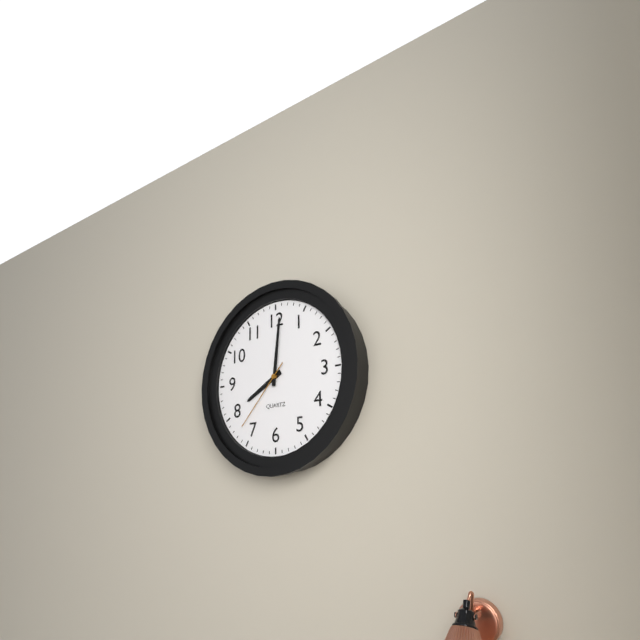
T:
**8:01:37**
